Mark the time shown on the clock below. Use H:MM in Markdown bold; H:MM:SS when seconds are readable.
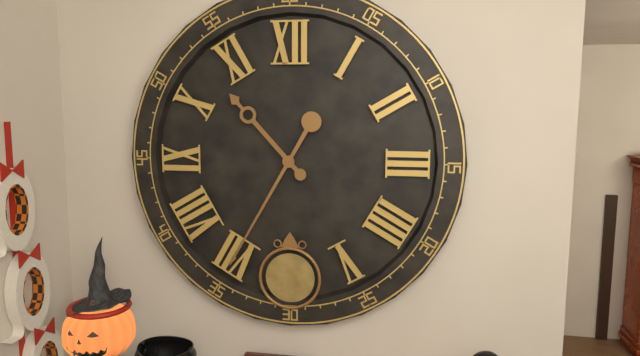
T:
**10:35**
